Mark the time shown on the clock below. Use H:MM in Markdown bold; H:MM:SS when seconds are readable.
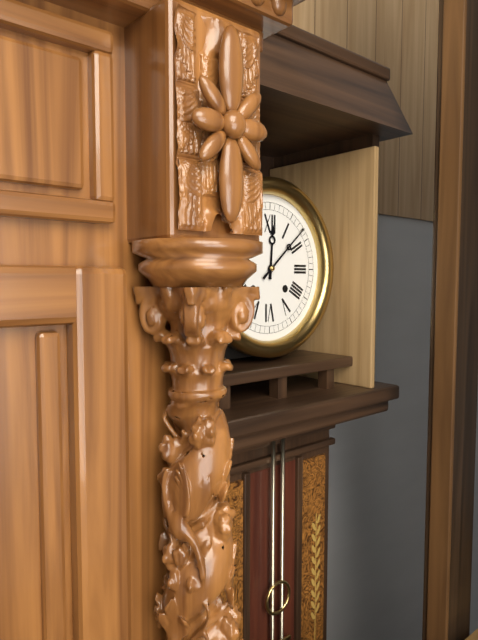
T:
**12:08**
